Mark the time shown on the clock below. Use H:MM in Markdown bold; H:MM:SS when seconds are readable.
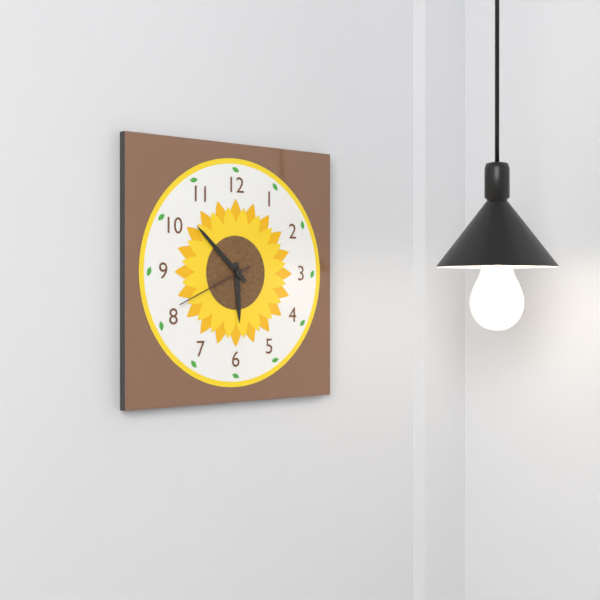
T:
**5:52:41**
